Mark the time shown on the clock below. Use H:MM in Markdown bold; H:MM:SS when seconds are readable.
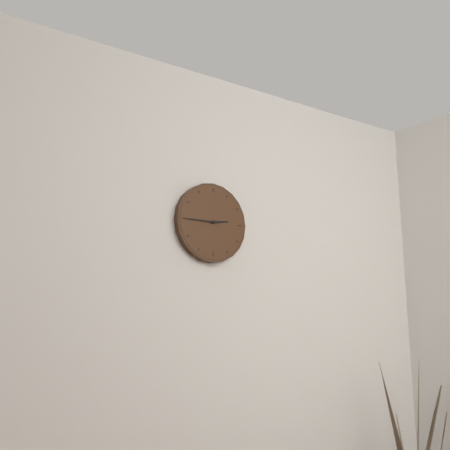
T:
**2:45**
